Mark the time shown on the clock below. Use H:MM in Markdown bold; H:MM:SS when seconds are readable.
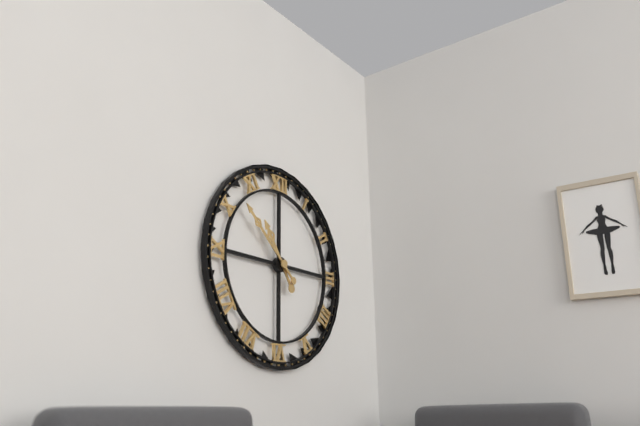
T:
**10:52**
